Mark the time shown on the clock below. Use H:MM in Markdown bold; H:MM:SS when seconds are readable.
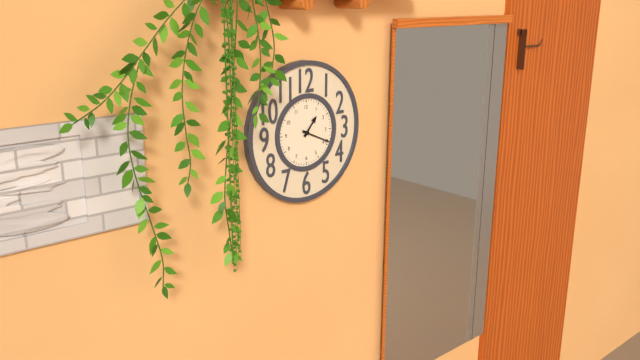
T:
**1:19**
